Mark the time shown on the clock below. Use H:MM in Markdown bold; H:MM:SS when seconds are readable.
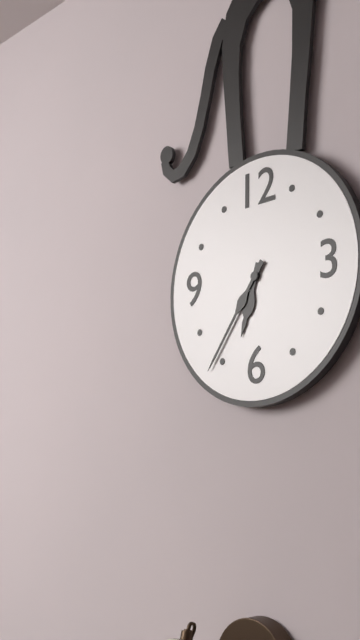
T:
**6:36**
